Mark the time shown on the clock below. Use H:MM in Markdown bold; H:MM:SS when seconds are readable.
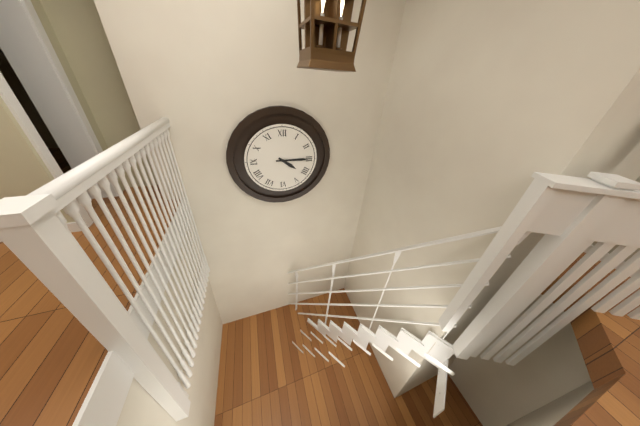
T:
**4:15**
